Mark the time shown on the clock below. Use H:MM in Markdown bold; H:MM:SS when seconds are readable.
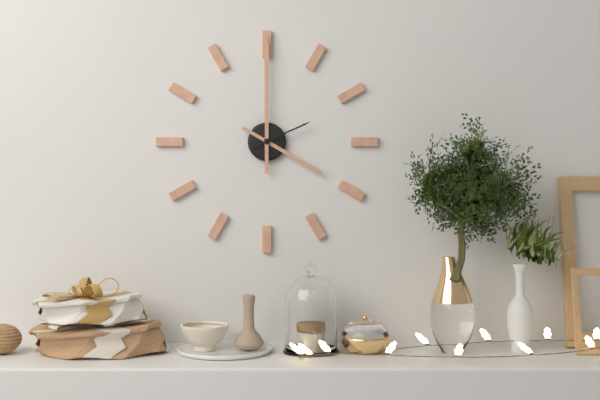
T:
**4:00:11**
